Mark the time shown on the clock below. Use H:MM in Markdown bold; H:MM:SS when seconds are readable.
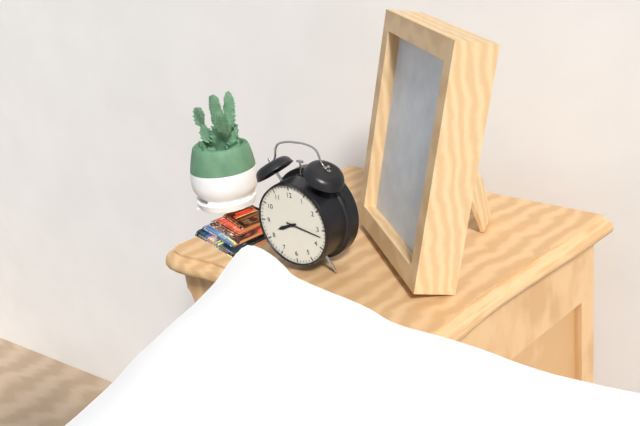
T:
**8:17**
